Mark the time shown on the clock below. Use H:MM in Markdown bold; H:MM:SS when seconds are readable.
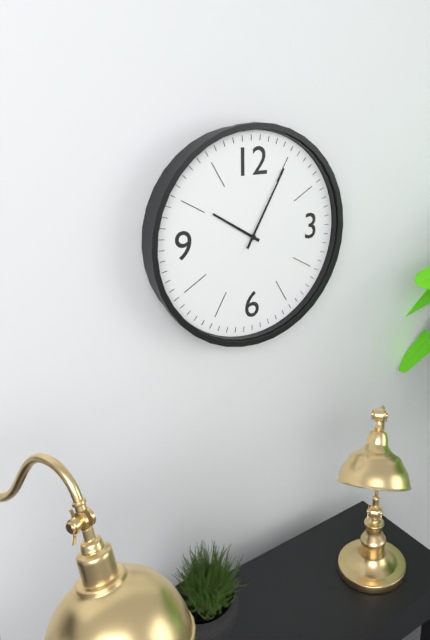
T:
**10:05**
